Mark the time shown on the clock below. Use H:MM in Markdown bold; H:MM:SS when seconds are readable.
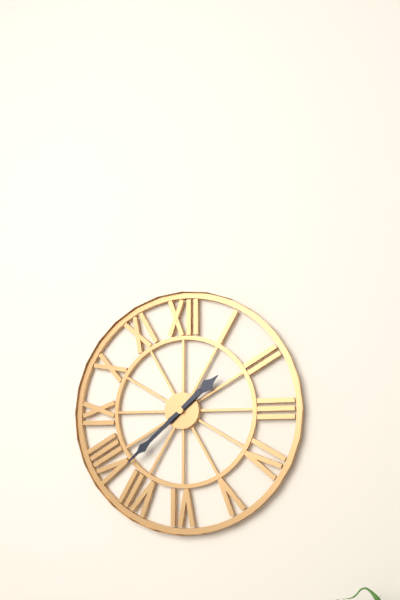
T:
**1:38**
